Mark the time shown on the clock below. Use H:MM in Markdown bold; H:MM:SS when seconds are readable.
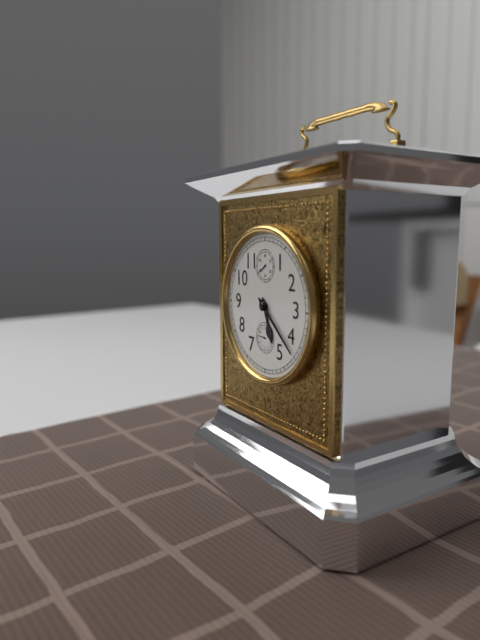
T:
**5:22**
